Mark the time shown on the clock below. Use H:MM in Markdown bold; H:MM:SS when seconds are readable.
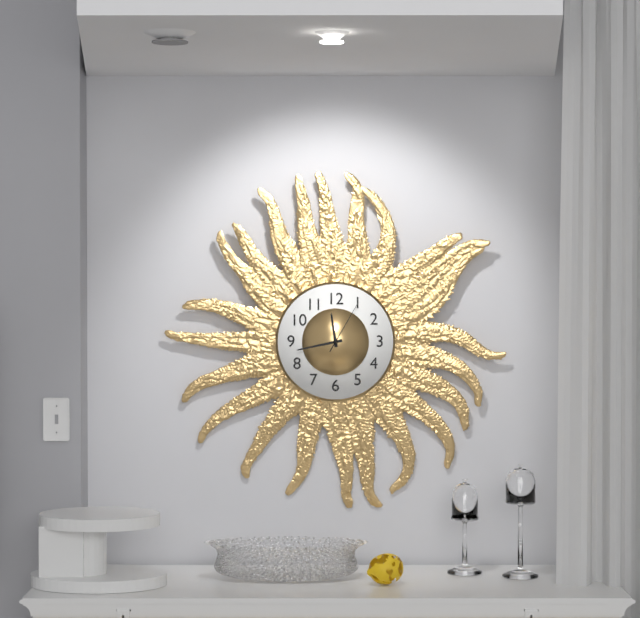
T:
**11:43:05**
